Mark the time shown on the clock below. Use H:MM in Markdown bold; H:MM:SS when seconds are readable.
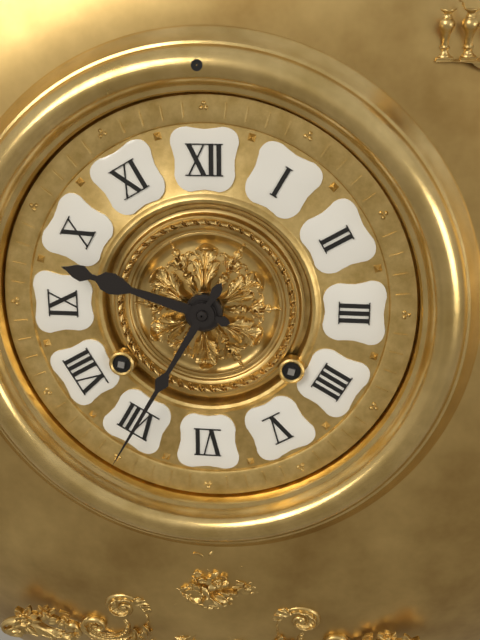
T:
**9:35**
